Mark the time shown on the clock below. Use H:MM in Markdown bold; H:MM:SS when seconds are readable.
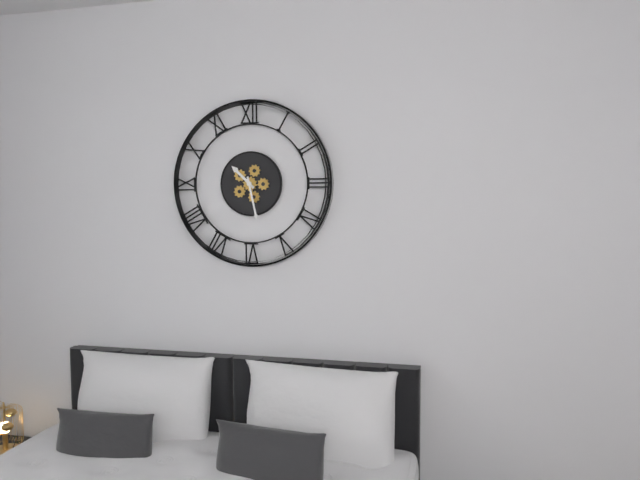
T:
**10:28**
